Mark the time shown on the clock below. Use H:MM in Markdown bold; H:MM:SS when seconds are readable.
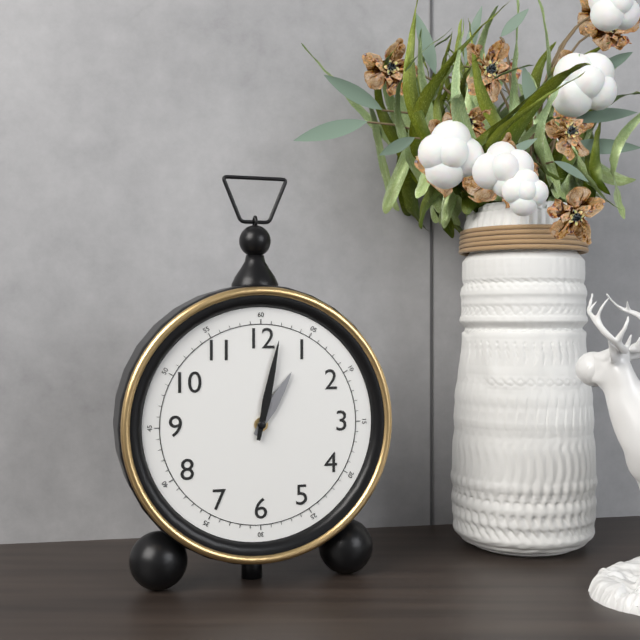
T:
**1:02**
